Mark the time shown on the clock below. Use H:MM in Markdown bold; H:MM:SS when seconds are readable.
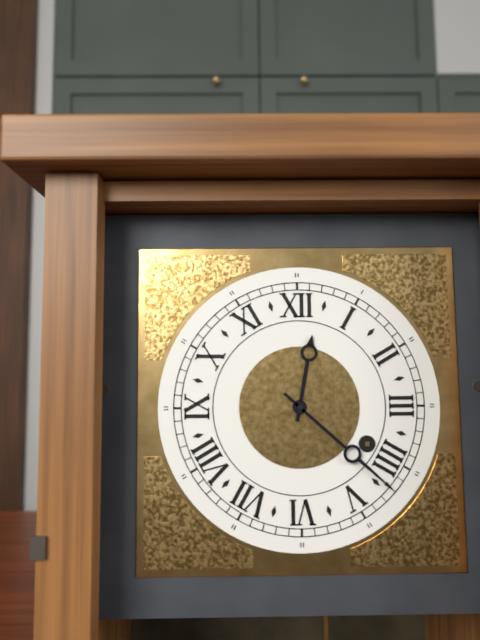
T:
**12:22**
